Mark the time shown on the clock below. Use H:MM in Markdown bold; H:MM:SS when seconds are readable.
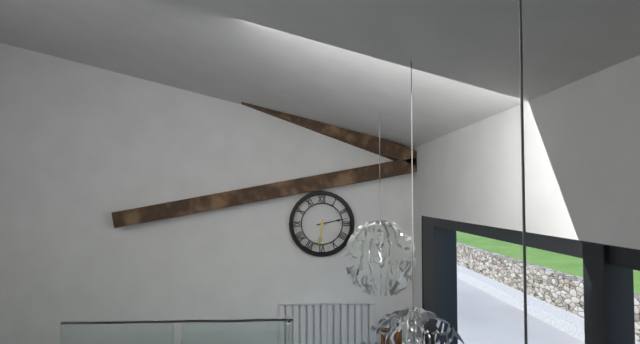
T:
**6:13**
